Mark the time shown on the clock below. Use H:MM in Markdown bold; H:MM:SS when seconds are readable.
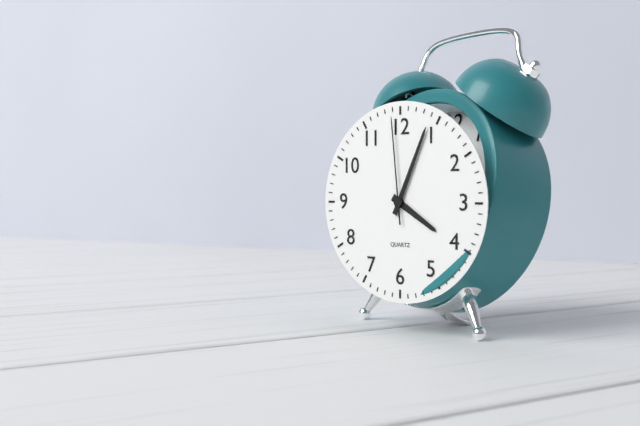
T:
**4:04:59**
